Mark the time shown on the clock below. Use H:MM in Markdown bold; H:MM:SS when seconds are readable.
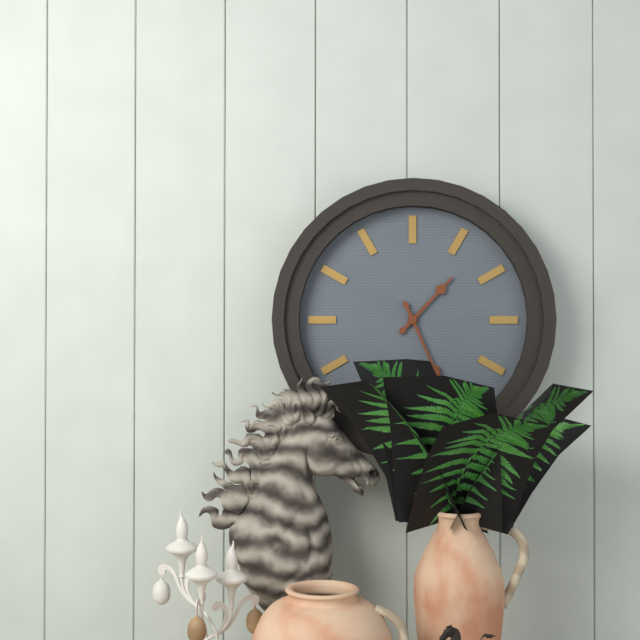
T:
**1:26**
